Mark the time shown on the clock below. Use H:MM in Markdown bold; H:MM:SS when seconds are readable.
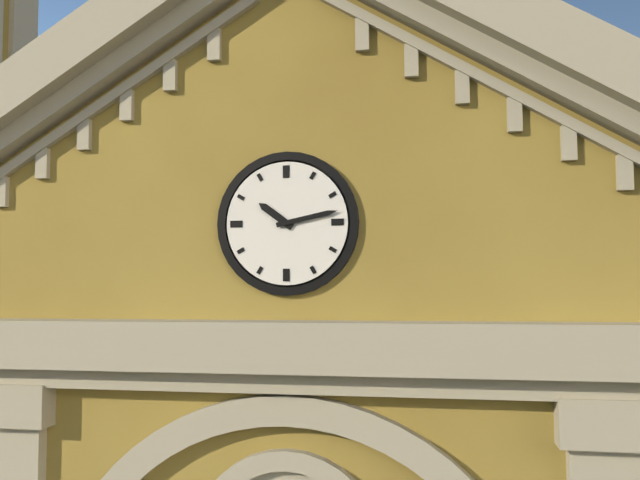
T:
**10:13**
